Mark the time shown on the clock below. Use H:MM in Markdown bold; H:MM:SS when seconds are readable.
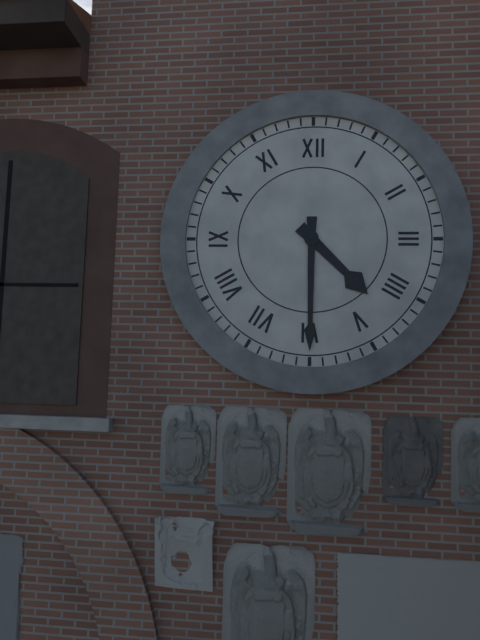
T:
**4:30**
